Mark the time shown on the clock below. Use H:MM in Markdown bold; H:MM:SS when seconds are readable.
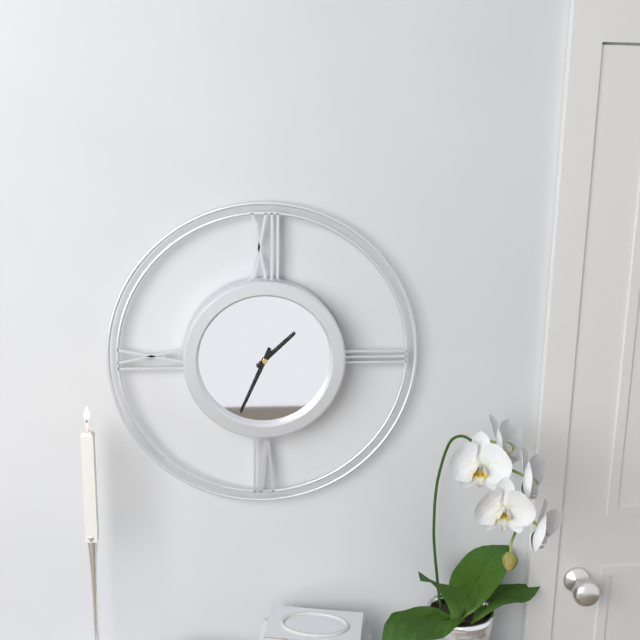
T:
**1:34**
